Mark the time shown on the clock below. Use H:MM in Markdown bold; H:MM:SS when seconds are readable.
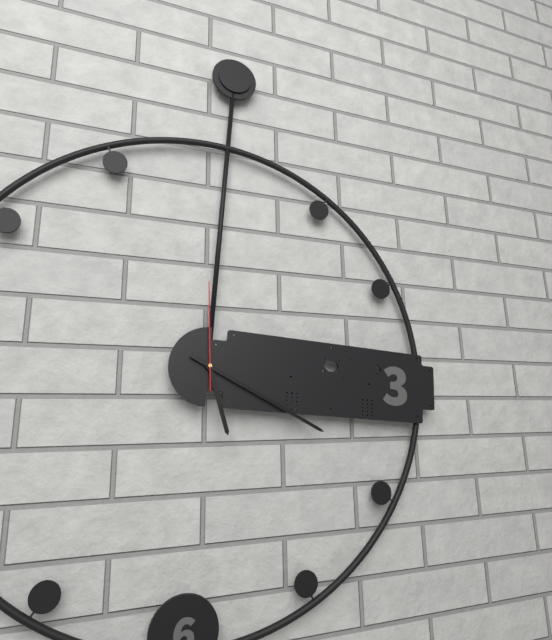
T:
**5:19:59**
